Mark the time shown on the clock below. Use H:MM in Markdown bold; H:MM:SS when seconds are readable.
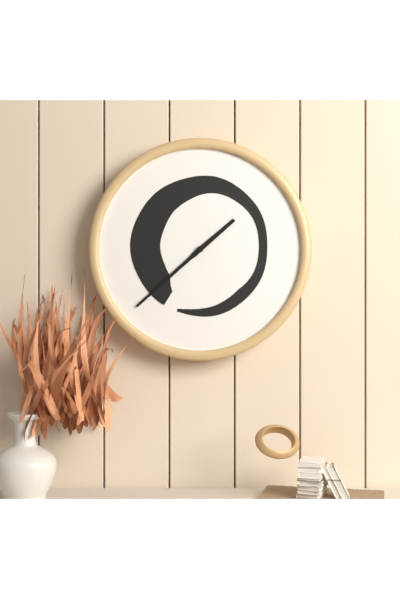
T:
**1:38**
